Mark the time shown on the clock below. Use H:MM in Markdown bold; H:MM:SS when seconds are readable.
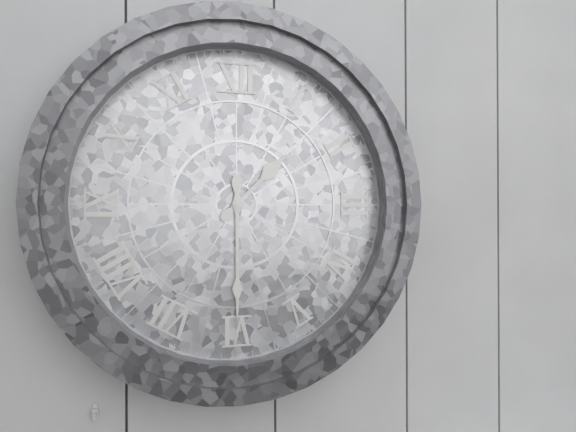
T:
**1:30**
